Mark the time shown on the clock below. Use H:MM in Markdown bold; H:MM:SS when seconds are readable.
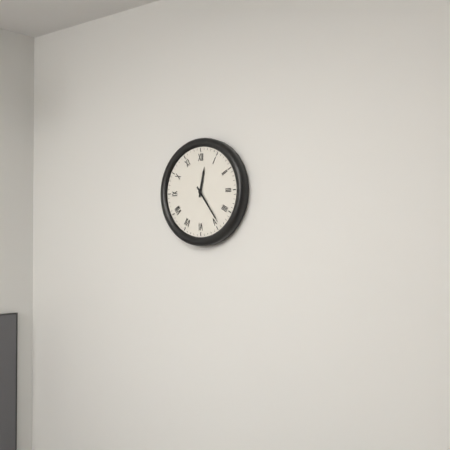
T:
**12:24**
